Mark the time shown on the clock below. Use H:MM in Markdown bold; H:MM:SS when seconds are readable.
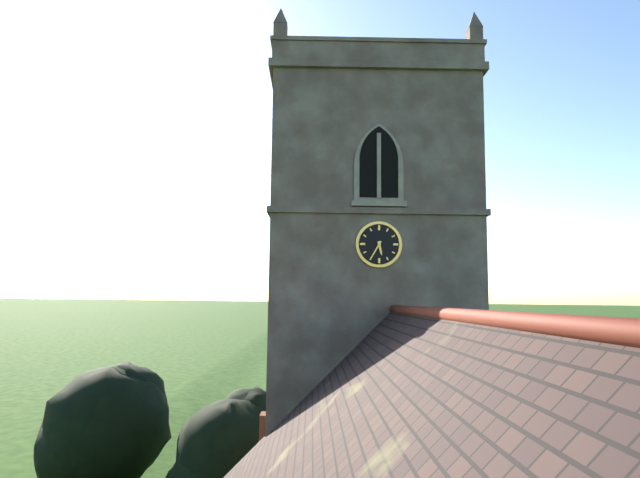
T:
**5:35**
